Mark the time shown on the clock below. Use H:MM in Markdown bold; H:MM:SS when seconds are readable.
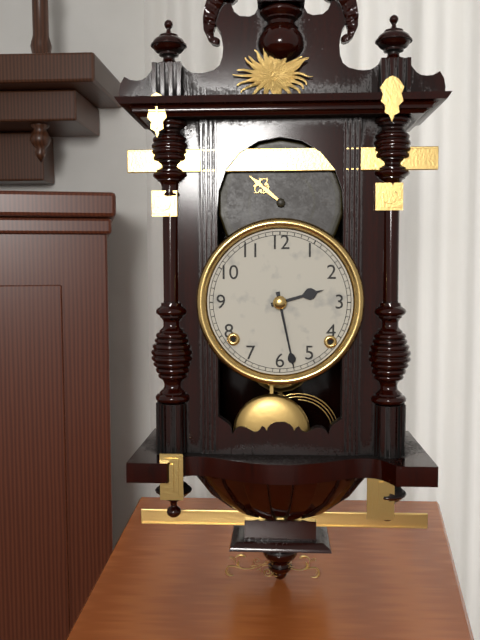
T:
**2:28**
